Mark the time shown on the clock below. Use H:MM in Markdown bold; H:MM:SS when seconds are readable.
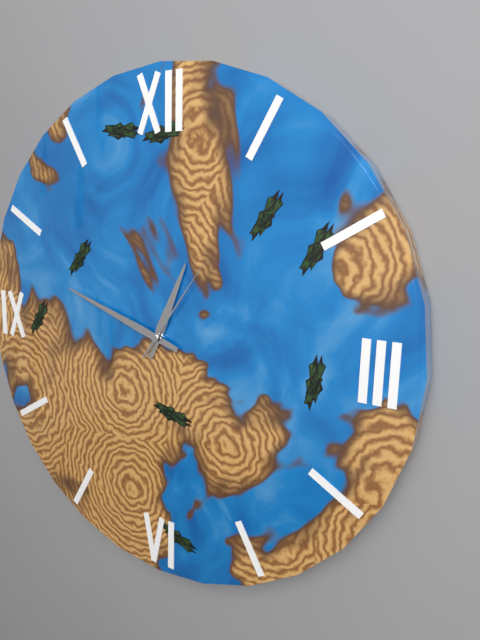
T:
**12:48:06**
